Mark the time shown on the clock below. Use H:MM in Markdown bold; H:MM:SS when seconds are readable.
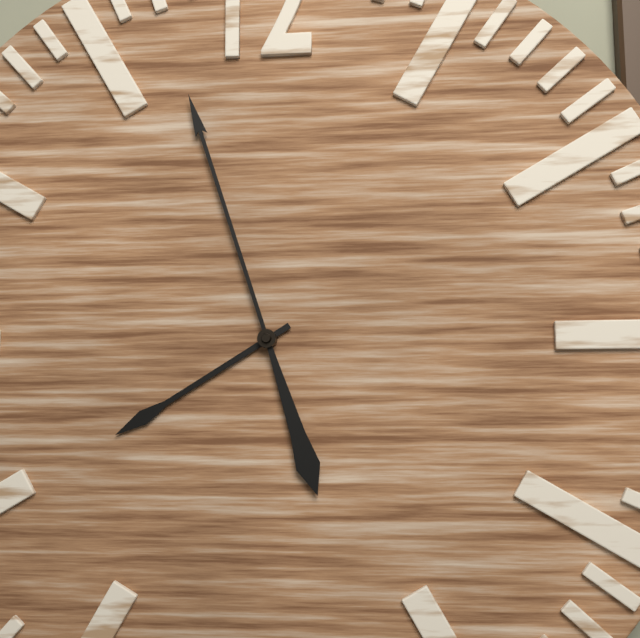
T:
**7:57**
